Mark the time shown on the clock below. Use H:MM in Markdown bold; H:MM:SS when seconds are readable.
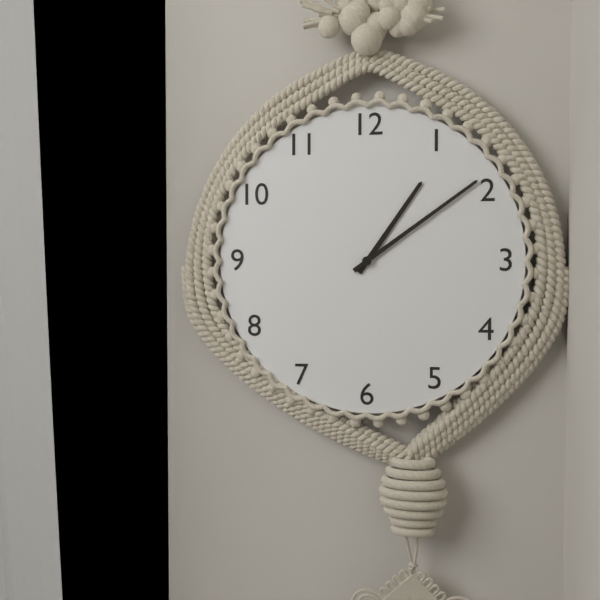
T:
**1:09**
